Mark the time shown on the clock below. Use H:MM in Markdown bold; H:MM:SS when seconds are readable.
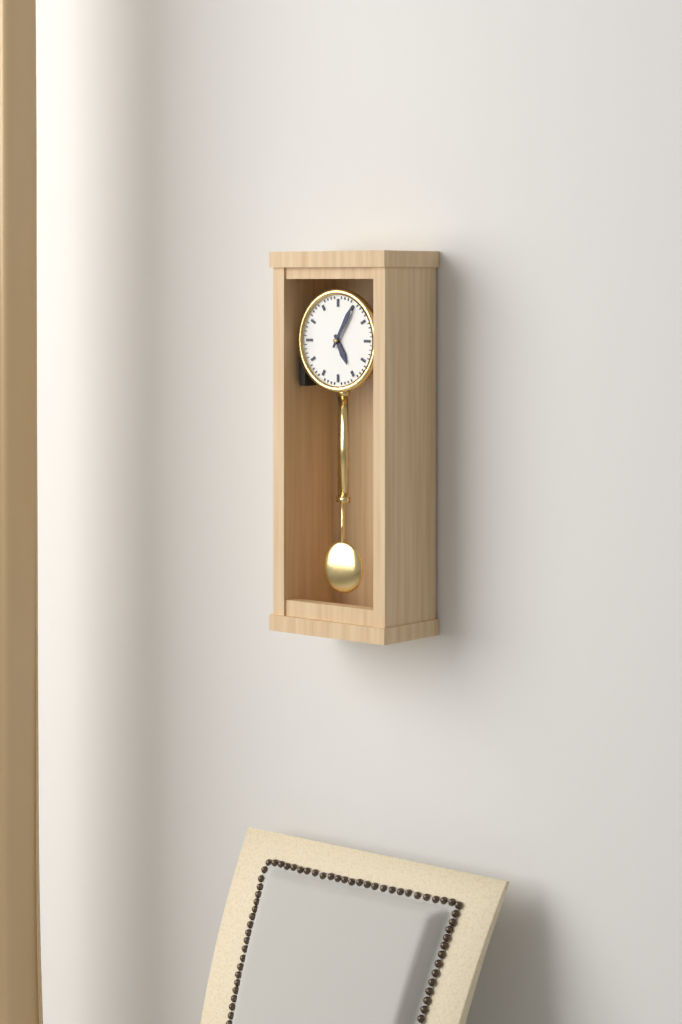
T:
**5:05**
